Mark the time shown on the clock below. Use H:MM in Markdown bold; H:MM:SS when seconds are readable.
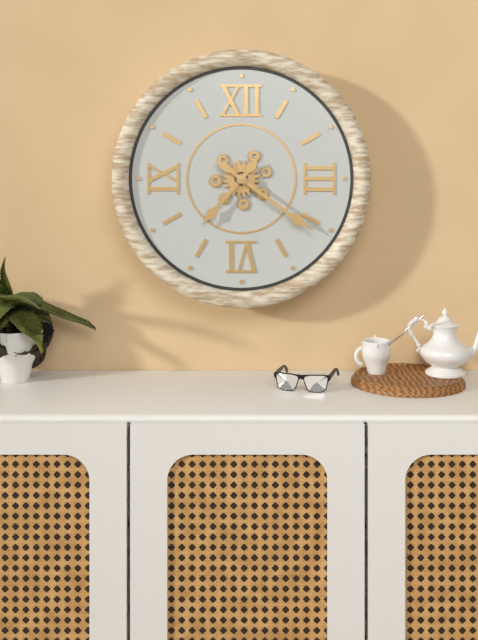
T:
**7:21**
